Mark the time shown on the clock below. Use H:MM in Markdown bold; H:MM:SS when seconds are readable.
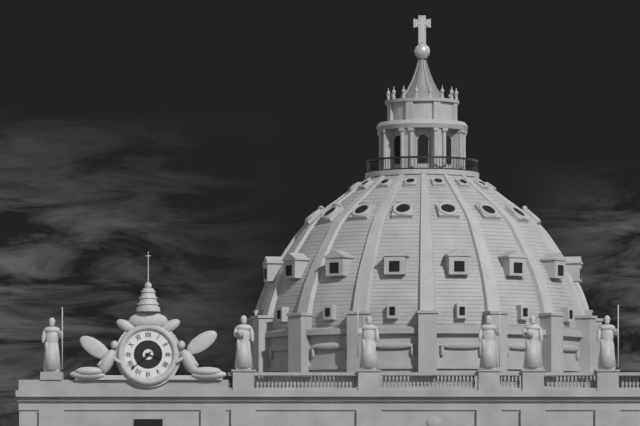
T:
**3:38**
